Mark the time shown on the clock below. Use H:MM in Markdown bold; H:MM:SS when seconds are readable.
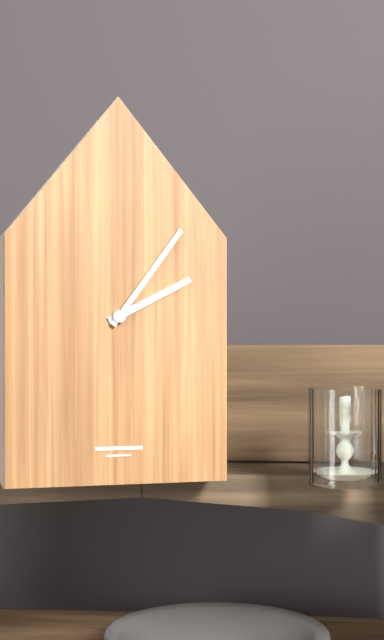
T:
**2:06**
